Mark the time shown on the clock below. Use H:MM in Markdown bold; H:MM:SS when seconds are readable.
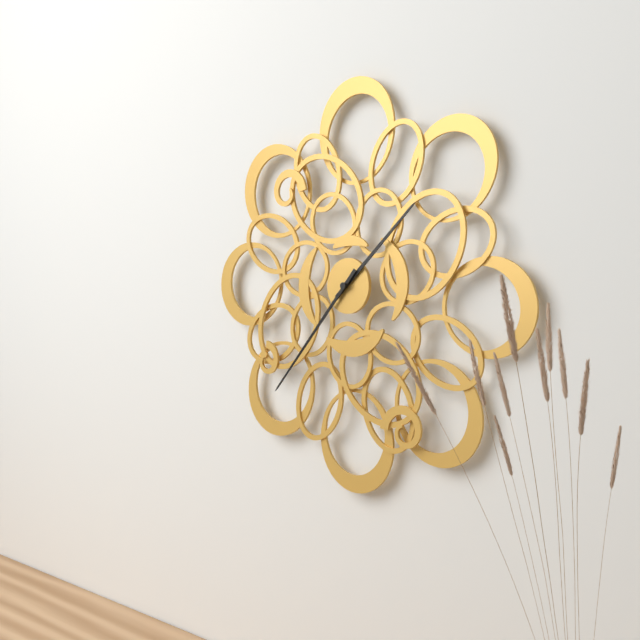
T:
**1:37**
